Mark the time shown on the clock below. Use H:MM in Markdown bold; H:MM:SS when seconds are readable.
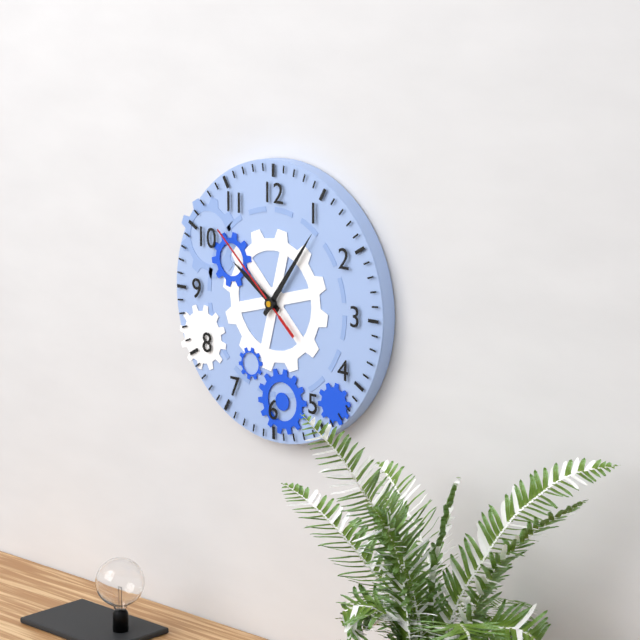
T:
**10:06:52**
